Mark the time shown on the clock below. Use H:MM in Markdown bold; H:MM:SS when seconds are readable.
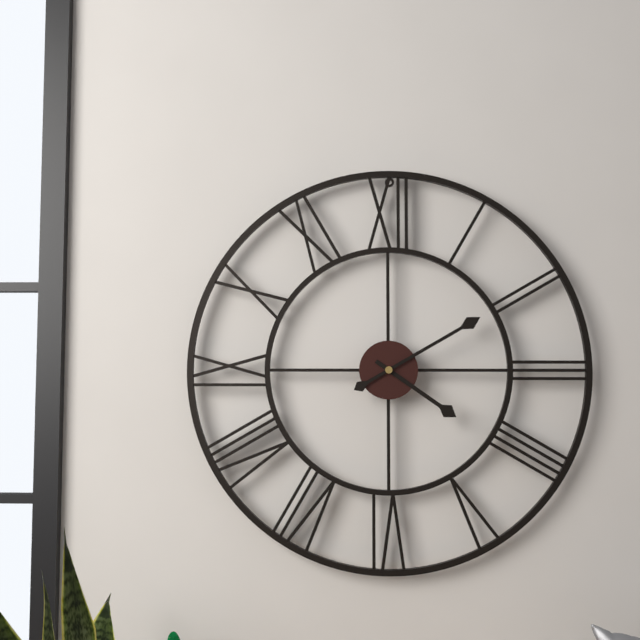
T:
**4:10**
